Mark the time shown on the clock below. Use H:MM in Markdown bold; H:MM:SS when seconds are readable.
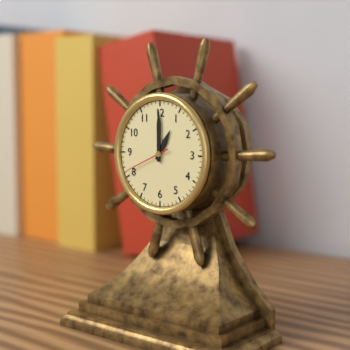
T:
**1:00**
